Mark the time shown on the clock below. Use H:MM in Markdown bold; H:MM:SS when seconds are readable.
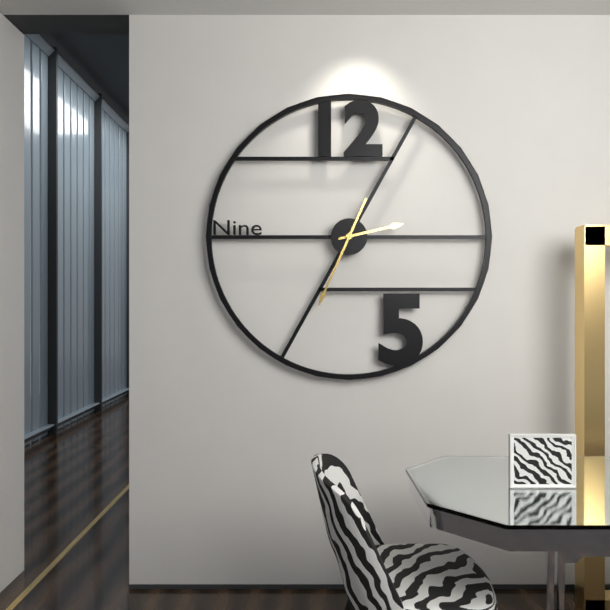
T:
**2:34**
